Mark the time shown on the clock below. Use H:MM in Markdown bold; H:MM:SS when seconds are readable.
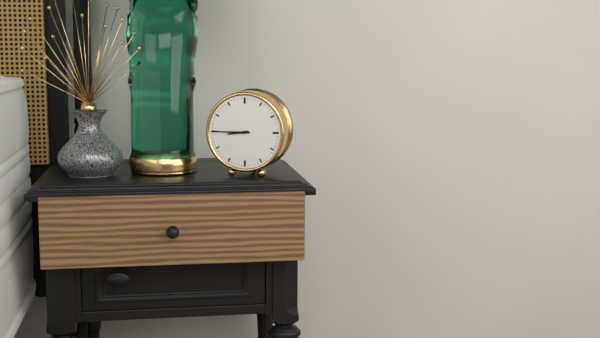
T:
**8:45**
